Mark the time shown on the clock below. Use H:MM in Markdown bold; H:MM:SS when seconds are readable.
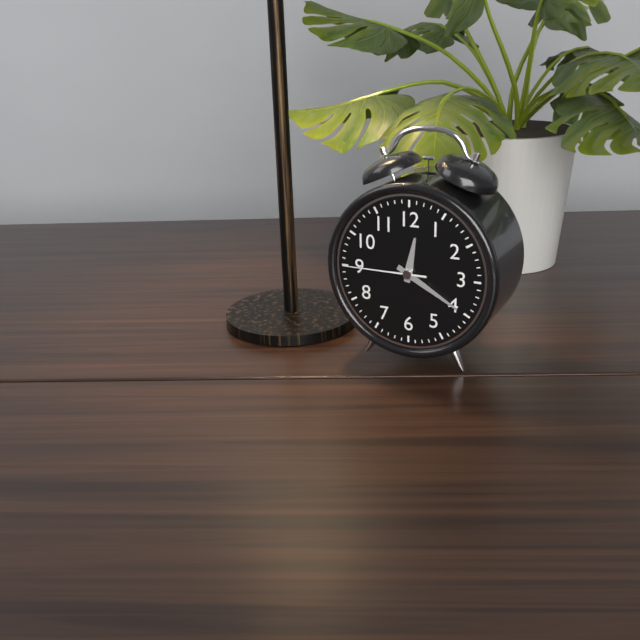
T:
**12:20:45**
